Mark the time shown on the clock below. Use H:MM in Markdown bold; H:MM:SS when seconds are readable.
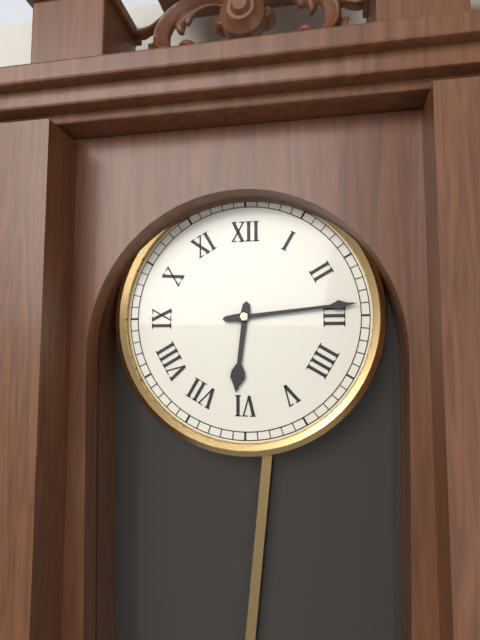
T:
**6:14**
